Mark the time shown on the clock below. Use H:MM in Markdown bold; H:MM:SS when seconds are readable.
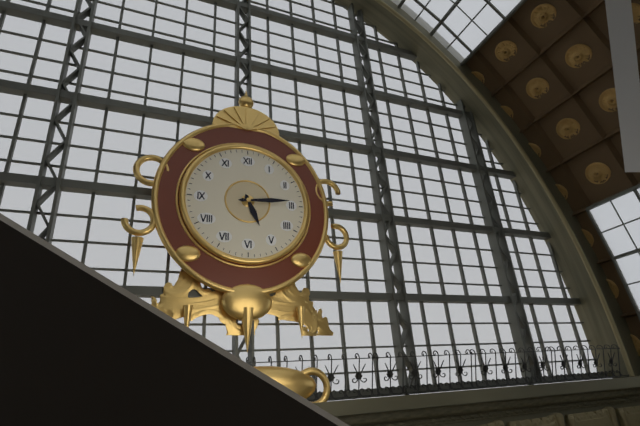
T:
**5:14**
